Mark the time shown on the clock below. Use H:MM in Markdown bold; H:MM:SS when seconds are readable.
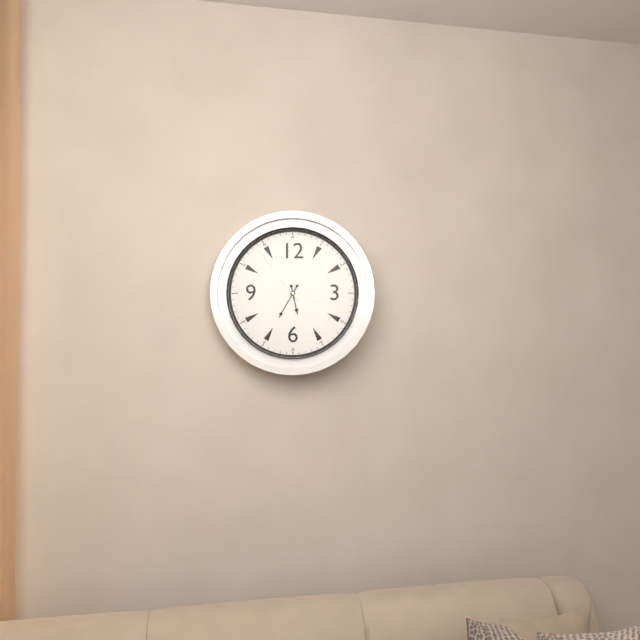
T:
**5:35:54**
